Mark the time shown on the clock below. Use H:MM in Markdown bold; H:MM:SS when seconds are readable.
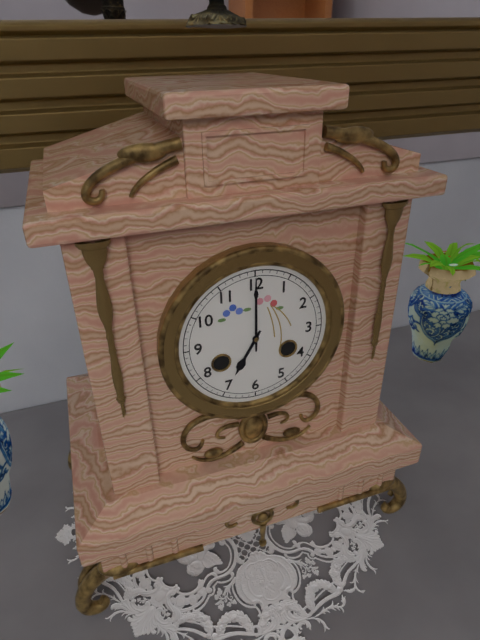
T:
**7:00**
